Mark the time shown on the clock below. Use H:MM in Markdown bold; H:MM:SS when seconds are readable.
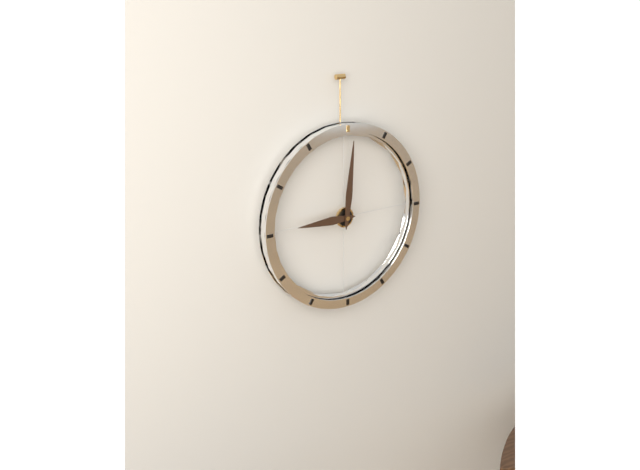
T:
**9:01**
